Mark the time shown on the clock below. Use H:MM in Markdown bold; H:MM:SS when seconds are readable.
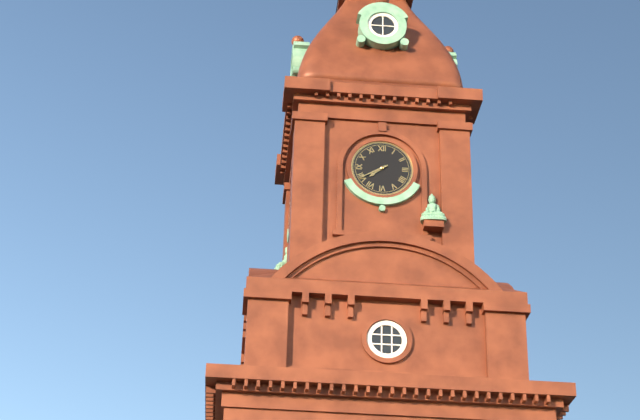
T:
**7:40**
